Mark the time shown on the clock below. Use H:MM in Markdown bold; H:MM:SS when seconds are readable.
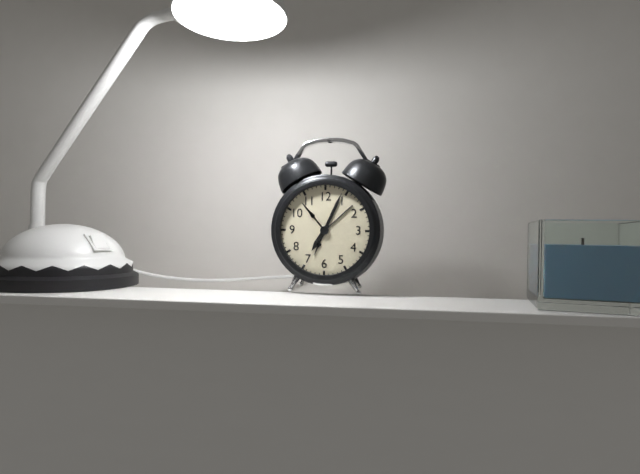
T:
**7:04**
